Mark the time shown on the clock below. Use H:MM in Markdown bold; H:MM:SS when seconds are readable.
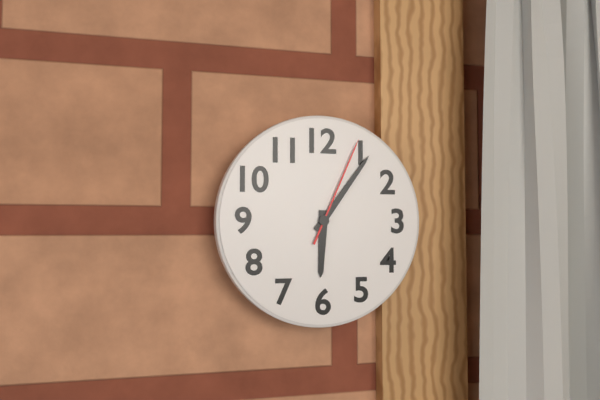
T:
**6:06:04**
